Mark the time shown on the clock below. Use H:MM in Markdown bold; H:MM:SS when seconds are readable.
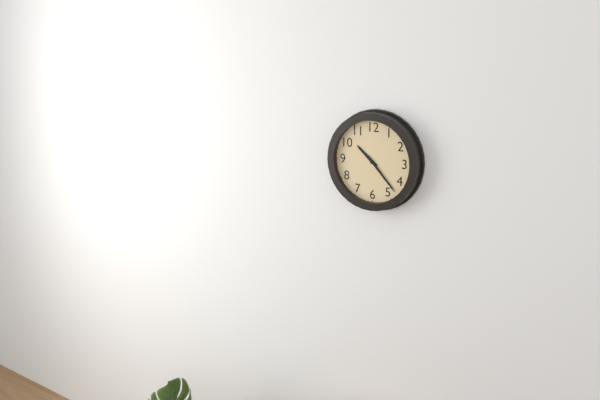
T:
**10:23**
